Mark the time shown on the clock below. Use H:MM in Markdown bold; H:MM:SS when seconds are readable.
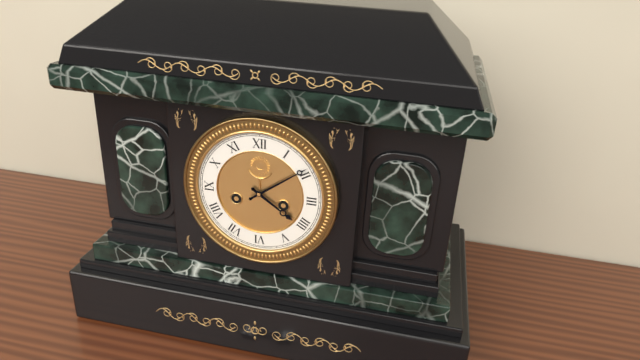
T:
**4:09**
